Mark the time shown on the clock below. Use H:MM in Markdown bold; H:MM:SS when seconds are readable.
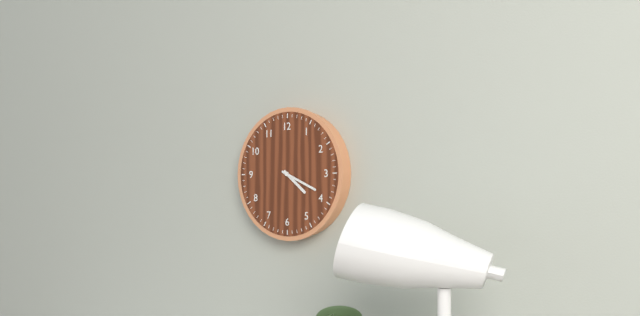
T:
**4:19**
